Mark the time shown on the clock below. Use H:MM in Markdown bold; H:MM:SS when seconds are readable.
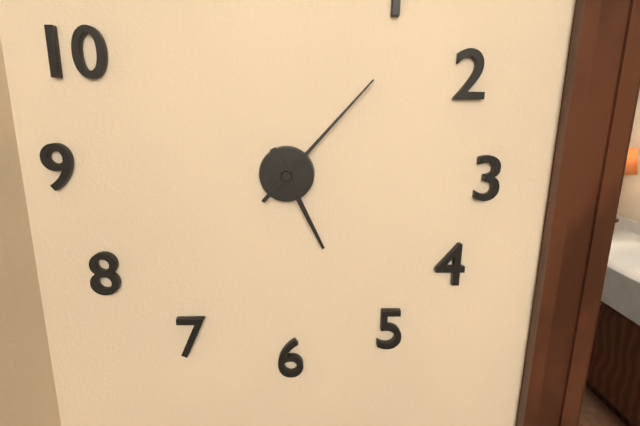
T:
**5:07**
